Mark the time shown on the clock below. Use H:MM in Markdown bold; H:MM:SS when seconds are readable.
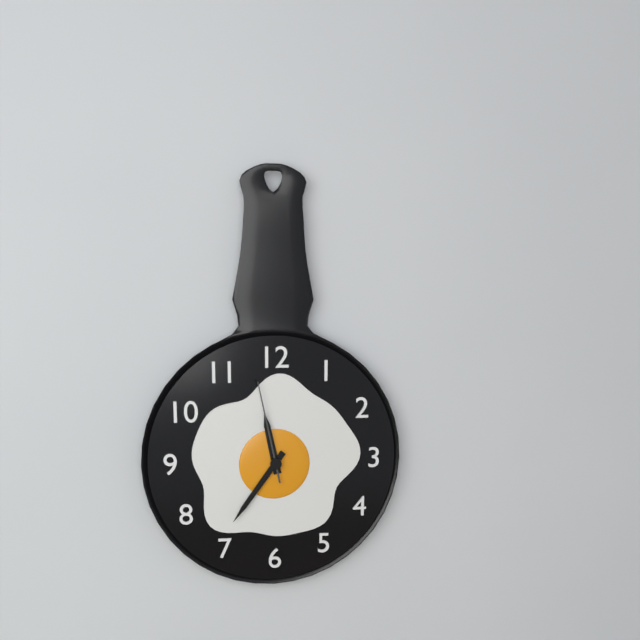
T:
**11:36:58**
